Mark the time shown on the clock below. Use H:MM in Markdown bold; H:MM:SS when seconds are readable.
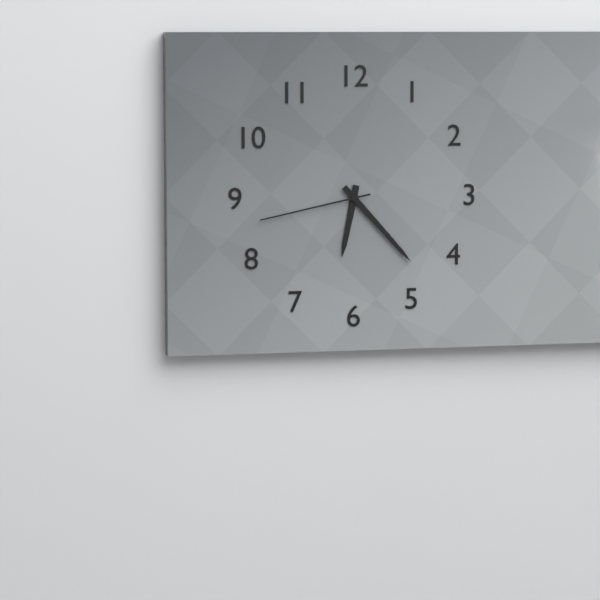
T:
**6:23:43**
